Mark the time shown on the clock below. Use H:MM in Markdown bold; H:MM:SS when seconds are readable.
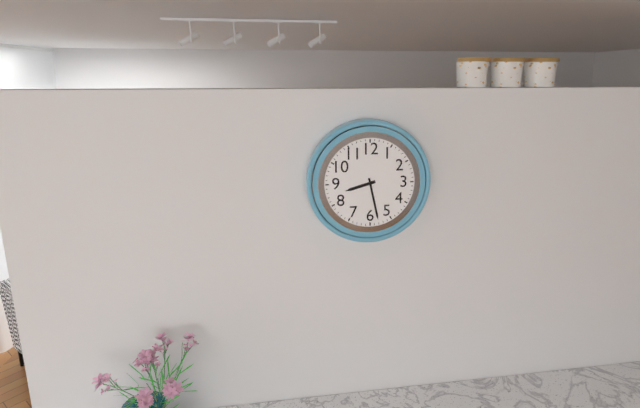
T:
**8:28**
